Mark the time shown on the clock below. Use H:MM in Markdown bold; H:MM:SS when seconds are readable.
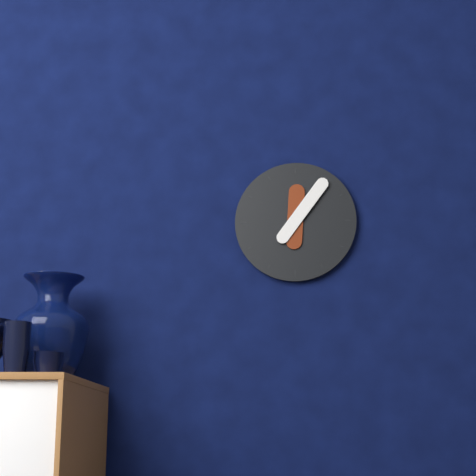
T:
**12:06**
